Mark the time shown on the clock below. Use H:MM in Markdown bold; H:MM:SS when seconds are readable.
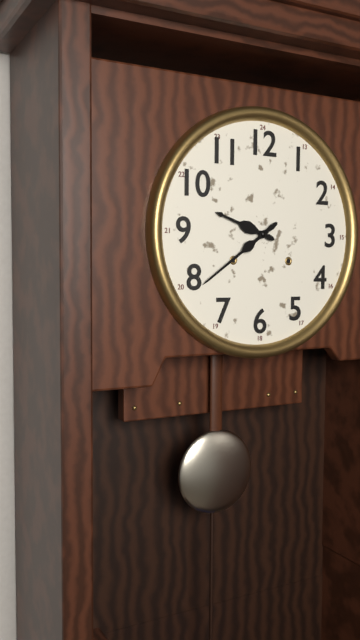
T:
**9:39**
